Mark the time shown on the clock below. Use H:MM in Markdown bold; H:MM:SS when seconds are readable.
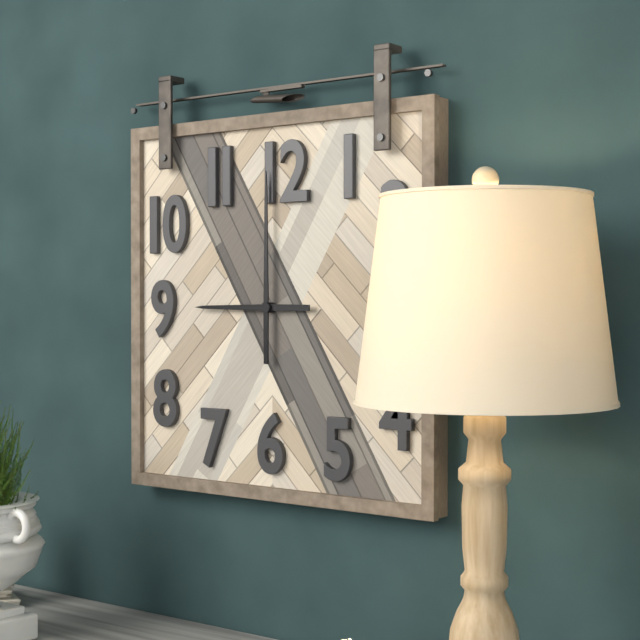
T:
**9:00**
